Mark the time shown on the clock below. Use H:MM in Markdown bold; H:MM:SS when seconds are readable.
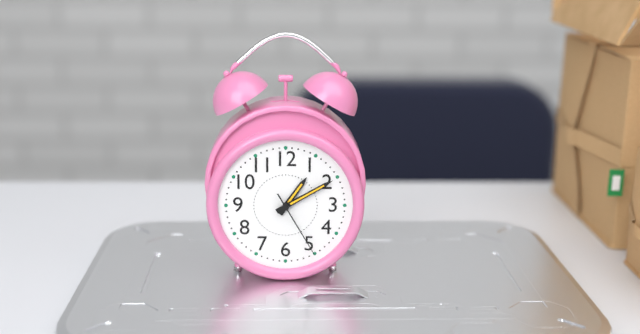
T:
**1:10:25**
